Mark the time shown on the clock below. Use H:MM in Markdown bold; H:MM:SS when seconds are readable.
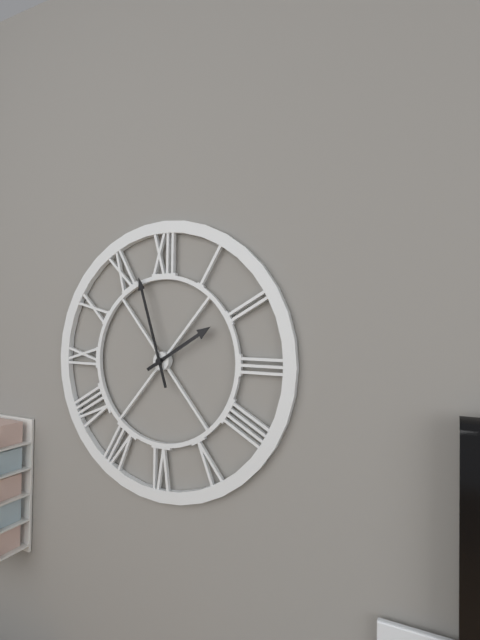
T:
**1:57**
